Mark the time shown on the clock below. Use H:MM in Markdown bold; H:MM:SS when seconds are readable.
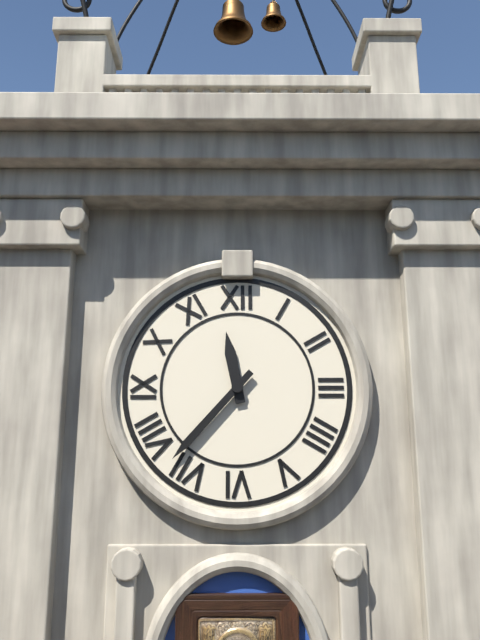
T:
**11:37**
